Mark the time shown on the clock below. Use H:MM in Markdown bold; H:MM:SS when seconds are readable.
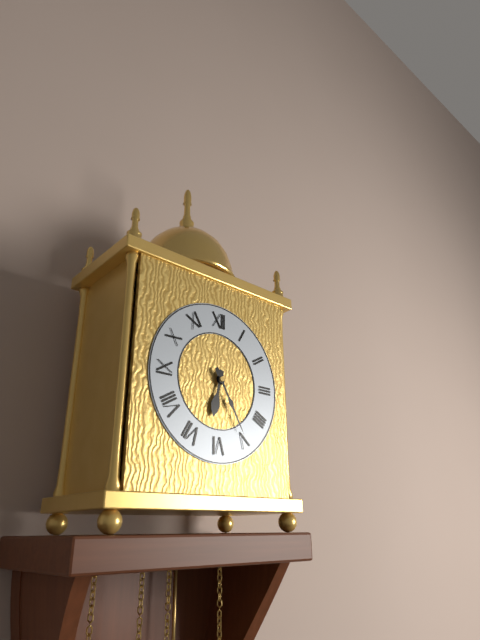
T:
**6:25**
